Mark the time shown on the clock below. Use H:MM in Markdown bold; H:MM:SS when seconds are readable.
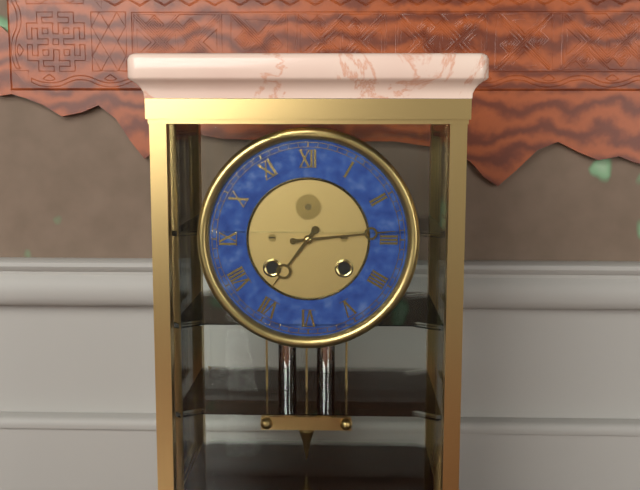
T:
**7:14**
